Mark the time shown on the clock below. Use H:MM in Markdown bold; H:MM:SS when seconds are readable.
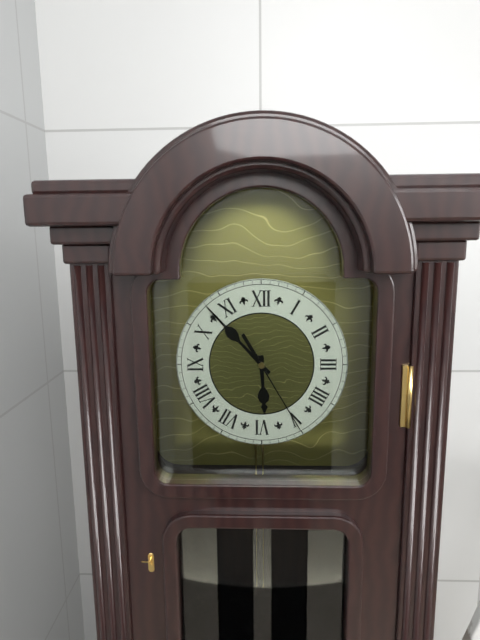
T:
**5:53:25**
